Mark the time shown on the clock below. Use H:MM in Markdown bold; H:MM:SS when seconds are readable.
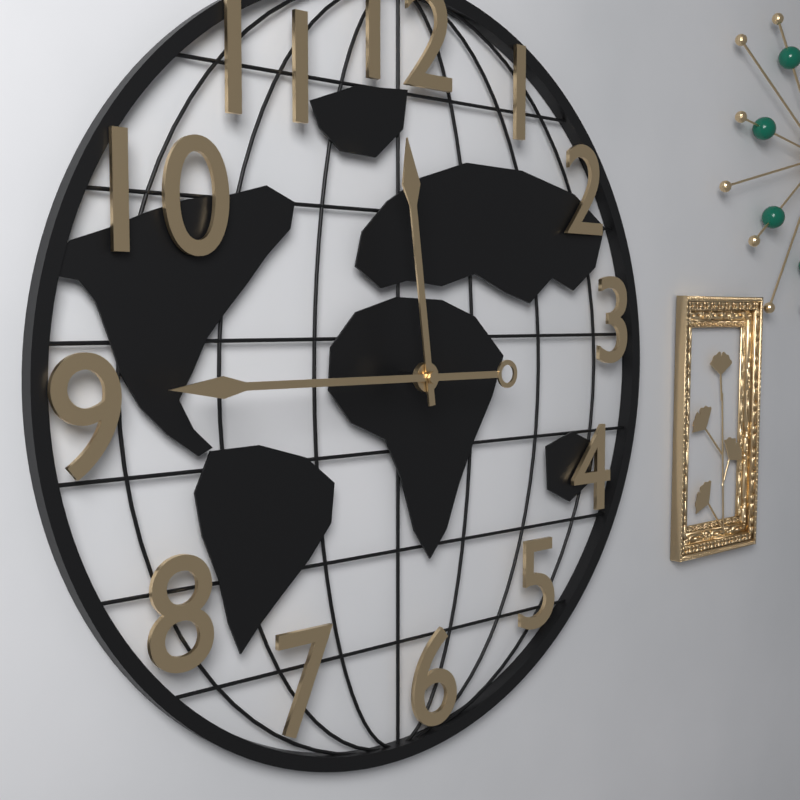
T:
**11:45**
